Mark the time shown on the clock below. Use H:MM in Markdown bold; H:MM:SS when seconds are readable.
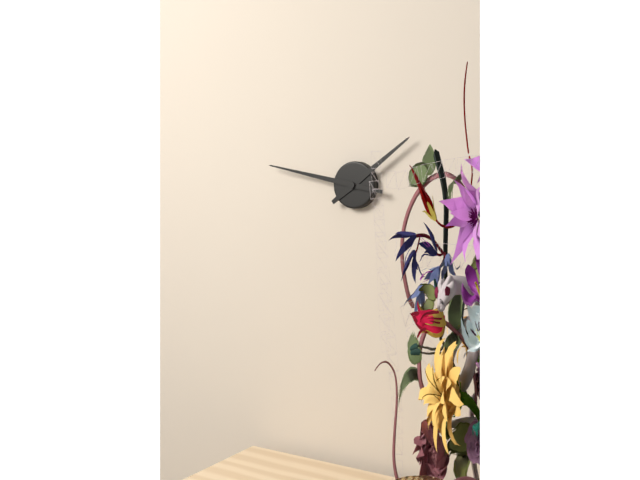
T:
**1:47**
